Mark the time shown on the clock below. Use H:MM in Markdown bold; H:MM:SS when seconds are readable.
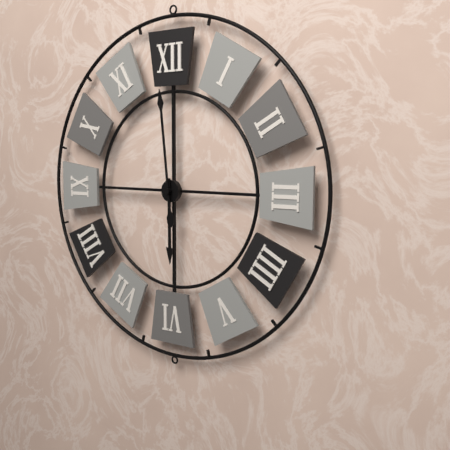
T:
**5:59**
